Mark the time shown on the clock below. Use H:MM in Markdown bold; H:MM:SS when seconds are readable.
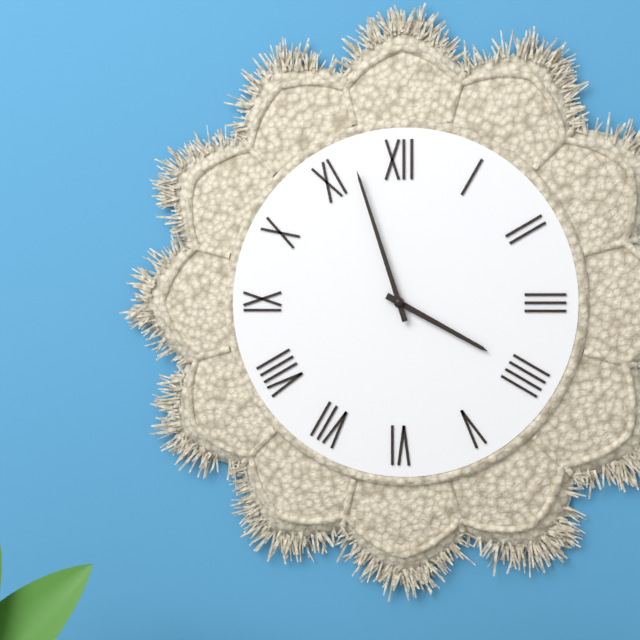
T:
**3:57**
